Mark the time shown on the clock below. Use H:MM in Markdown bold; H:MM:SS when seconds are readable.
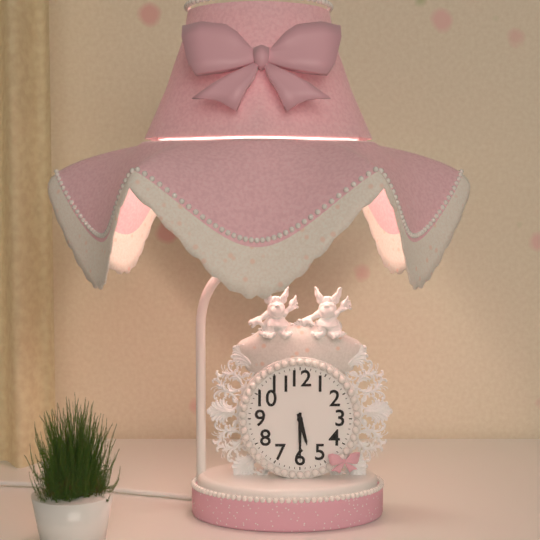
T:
**5:30**
